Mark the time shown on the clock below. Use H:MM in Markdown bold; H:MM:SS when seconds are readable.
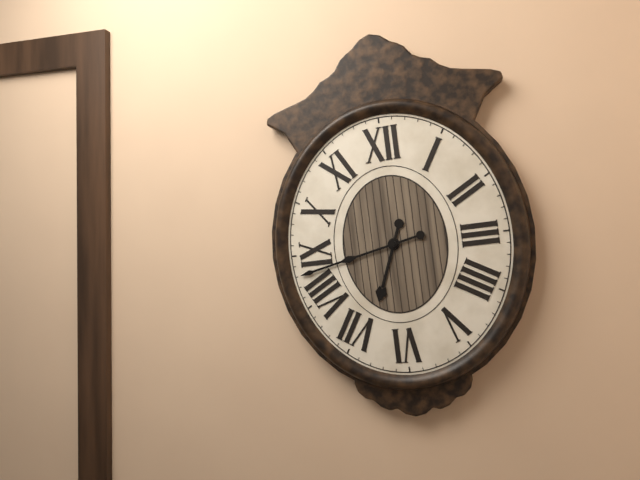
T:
**6:43**
